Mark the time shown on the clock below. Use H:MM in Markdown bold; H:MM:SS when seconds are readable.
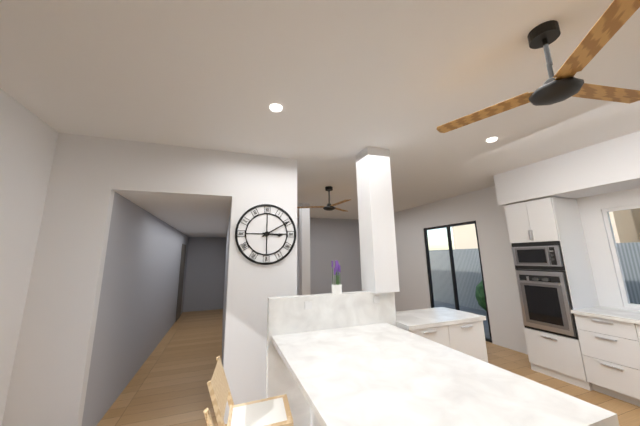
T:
**3:10**
